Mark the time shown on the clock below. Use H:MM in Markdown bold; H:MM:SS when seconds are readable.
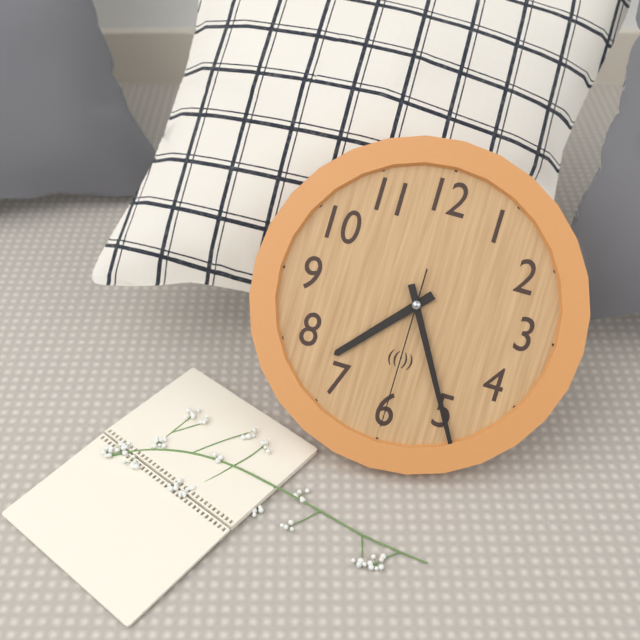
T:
**7:25:30**
